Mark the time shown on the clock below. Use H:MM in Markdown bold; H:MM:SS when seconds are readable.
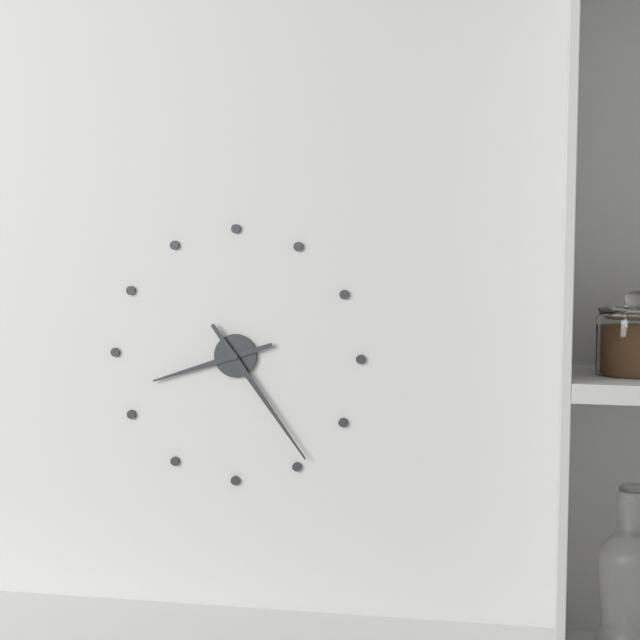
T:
**8:24**
